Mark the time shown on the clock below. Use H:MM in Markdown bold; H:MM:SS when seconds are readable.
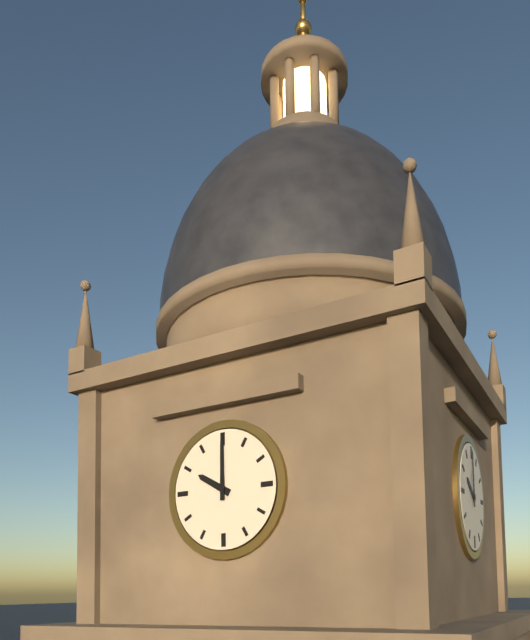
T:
**10:00**
